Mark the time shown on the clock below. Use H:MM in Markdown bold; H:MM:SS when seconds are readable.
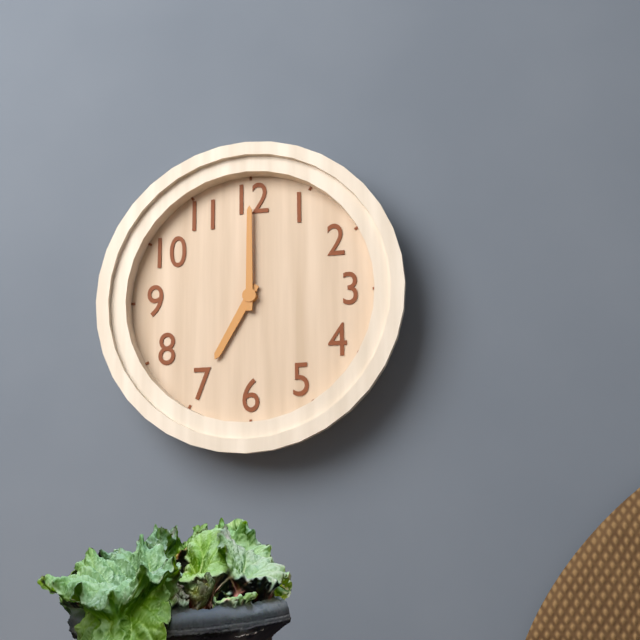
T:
**7:00**
